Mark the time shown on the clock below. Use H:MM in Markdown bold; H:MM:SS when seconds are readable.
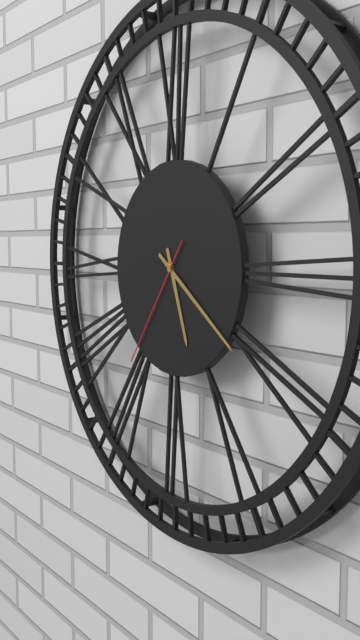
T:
**5:21:36**
